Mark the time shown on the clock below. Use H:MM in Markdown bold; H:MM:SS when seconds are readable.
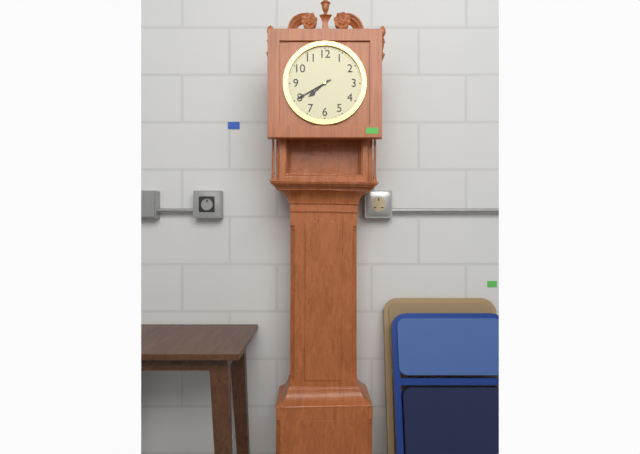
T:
**7:40**
